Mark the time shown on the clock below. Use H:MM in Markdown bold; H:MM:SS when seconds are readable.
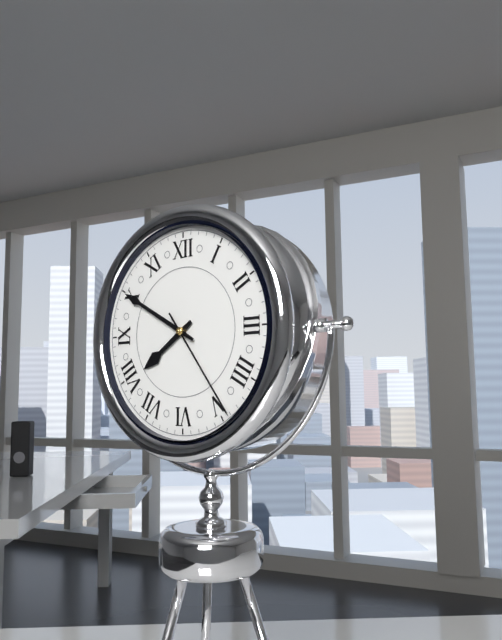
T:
**7:50:24**
